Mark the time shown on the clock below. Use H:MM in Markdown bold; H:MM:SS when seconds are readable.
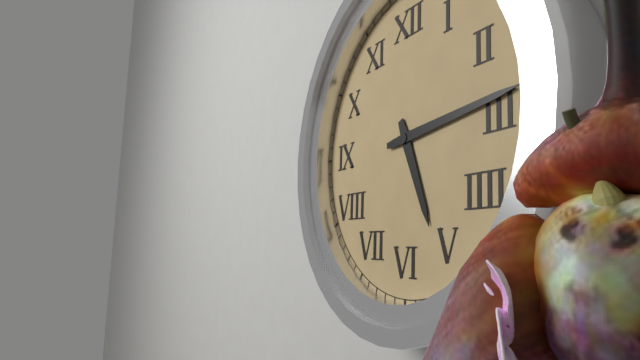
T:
**5:14**
